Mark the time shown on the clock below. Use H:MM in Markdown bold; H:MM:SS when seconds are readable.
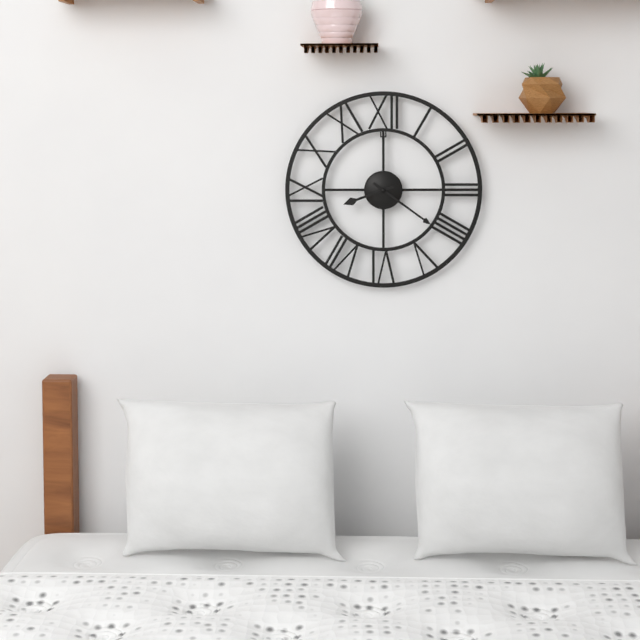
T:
**8:21**
